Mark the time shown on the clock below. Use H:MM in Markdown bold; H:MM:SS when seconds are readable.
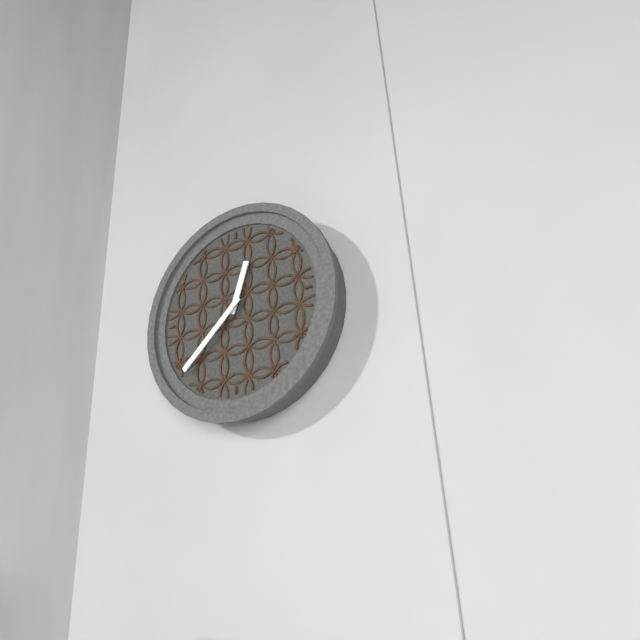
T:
**12:38**
